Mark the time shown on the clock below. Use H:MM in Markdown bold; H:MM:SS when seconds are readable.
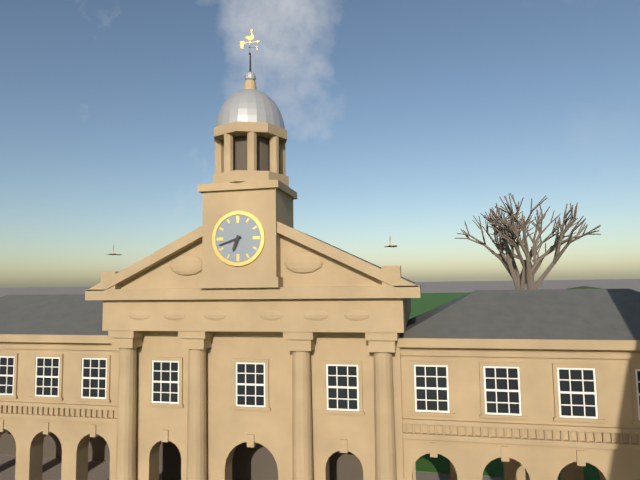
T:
**6:42**
